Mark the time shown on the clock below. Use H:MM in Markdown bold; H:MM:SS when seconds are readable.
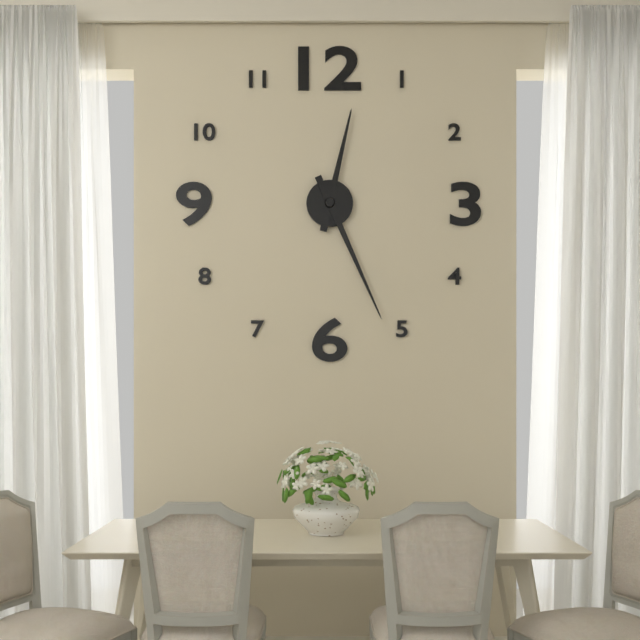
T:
**12:26**
